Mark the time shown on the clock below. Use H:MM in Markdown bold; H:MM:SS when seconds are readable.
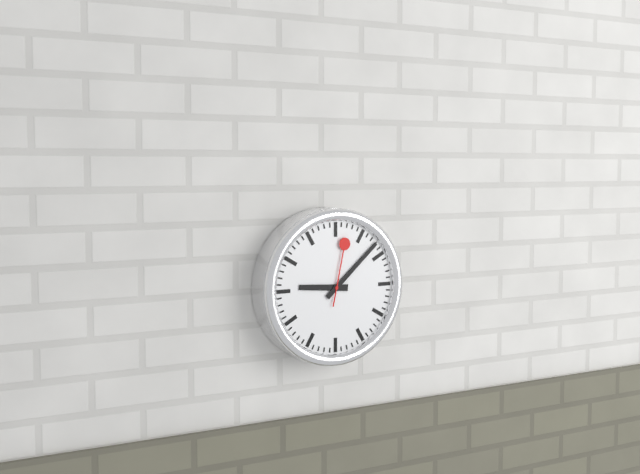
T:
**9:08:02**
